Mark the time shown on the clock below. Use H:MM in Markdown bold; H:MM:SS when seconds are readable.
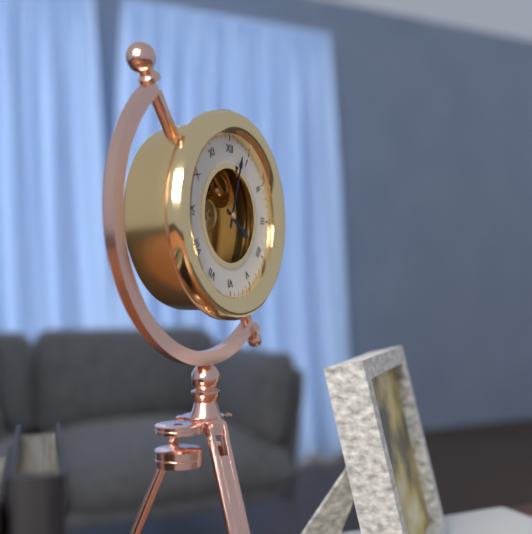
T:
**4:03**
